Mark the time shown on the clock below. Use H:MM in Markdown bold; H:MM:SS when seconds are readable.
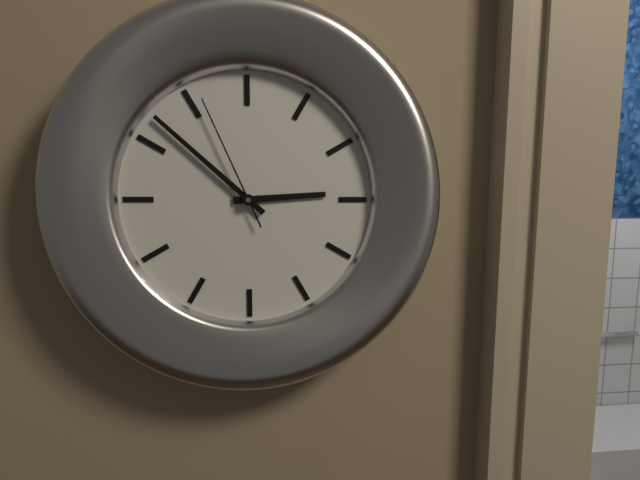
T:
**2:52:56**
